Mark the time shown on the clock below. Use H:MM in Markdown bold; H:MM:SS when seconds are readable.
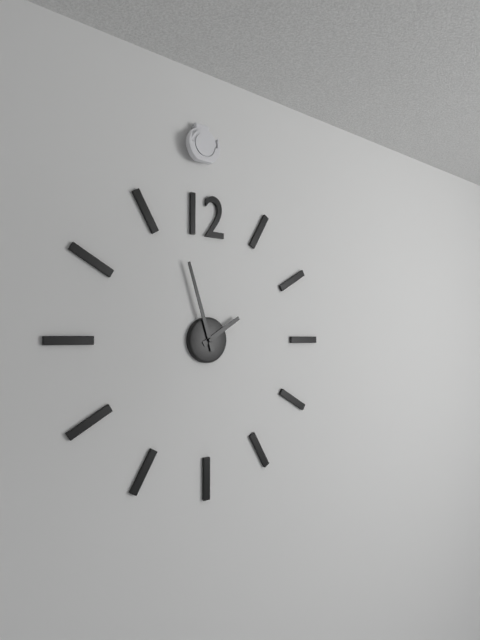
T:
**1:57**
